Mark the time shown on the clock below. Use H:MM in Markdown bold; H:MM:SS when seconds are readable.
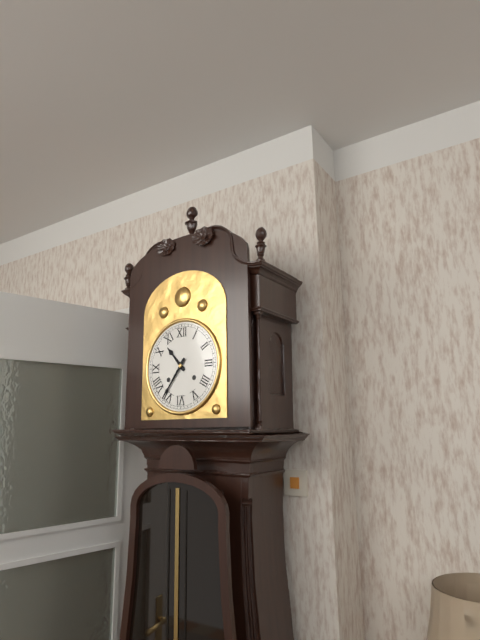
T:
**10:36**
